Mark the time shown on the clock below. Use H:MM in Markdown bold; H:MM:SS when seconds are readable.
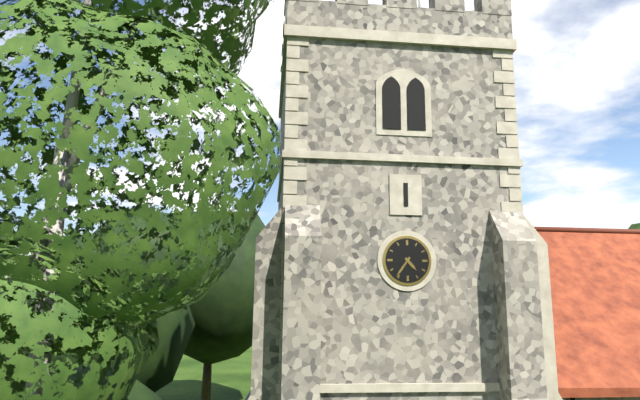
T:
**4:36**
